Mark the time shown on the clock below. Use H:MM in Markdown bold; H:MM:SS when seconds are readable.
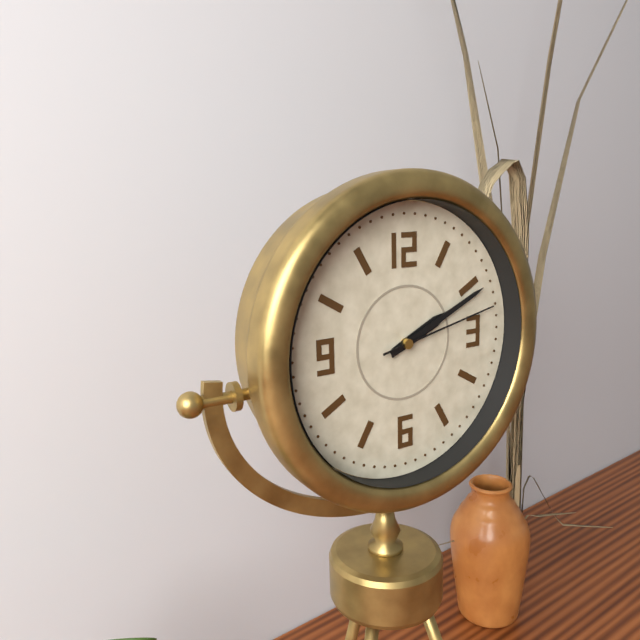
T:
**2:11:13**
